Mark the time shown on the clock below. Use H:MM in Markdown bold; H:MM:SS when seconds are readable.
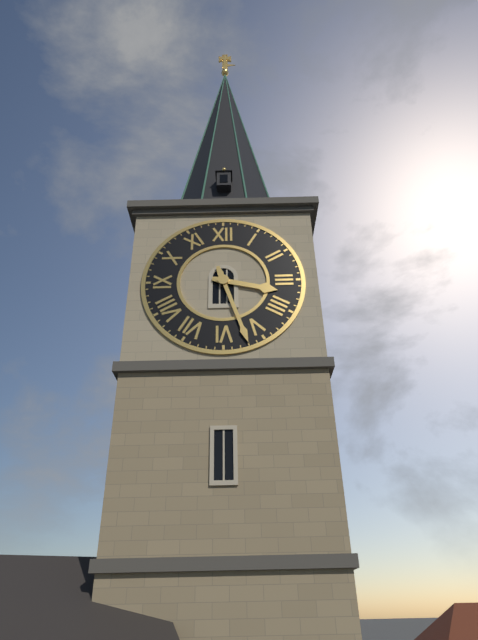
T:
**3:27**
